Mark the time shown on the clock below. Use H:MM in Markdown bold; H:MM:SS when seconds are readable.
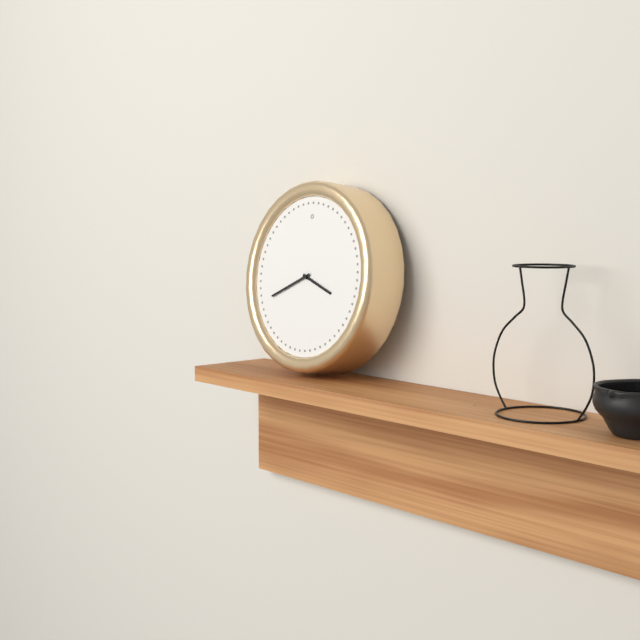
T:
**3:41**
